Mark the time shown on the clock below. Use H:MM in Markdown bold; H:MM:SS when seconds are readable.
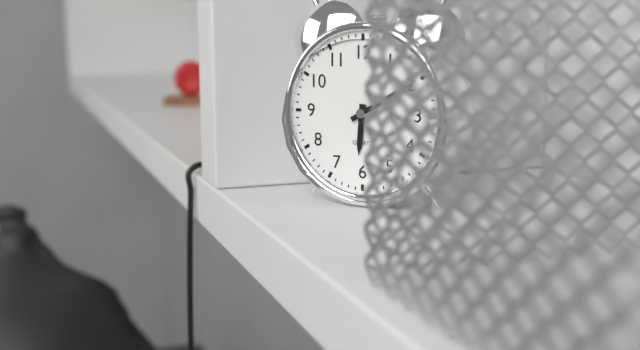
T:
**6:10**
